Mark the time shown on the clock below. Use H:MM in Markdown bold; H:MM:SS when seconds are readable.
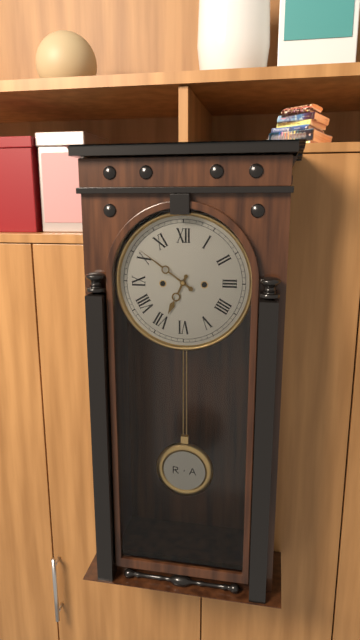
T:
**6:51**
